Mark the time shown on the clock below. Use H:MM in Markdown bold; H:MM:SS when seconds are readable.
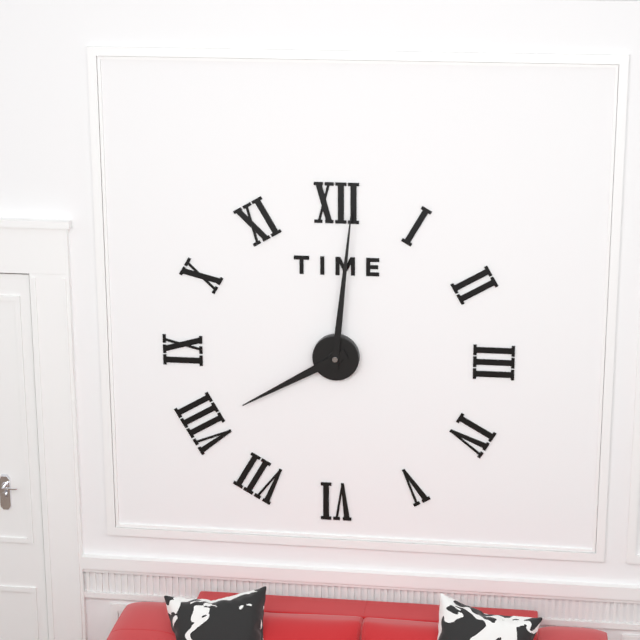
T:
**8:01**
